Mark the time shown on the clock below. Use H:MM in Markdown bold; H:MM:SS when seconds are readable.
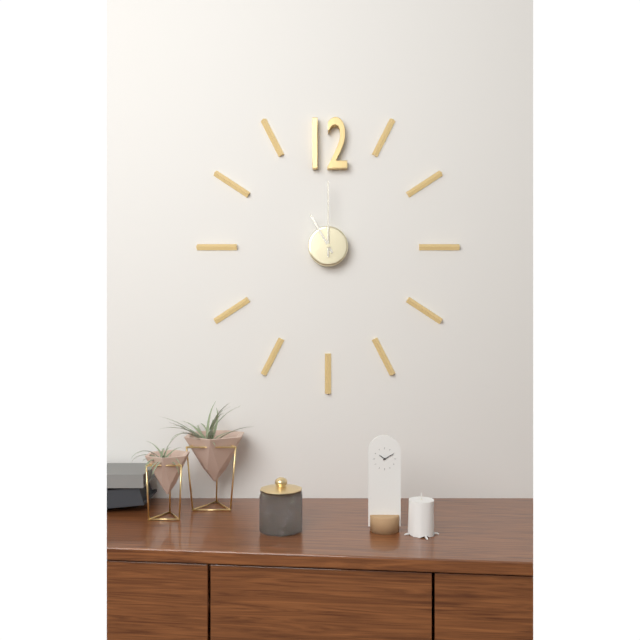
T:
**11:00**
